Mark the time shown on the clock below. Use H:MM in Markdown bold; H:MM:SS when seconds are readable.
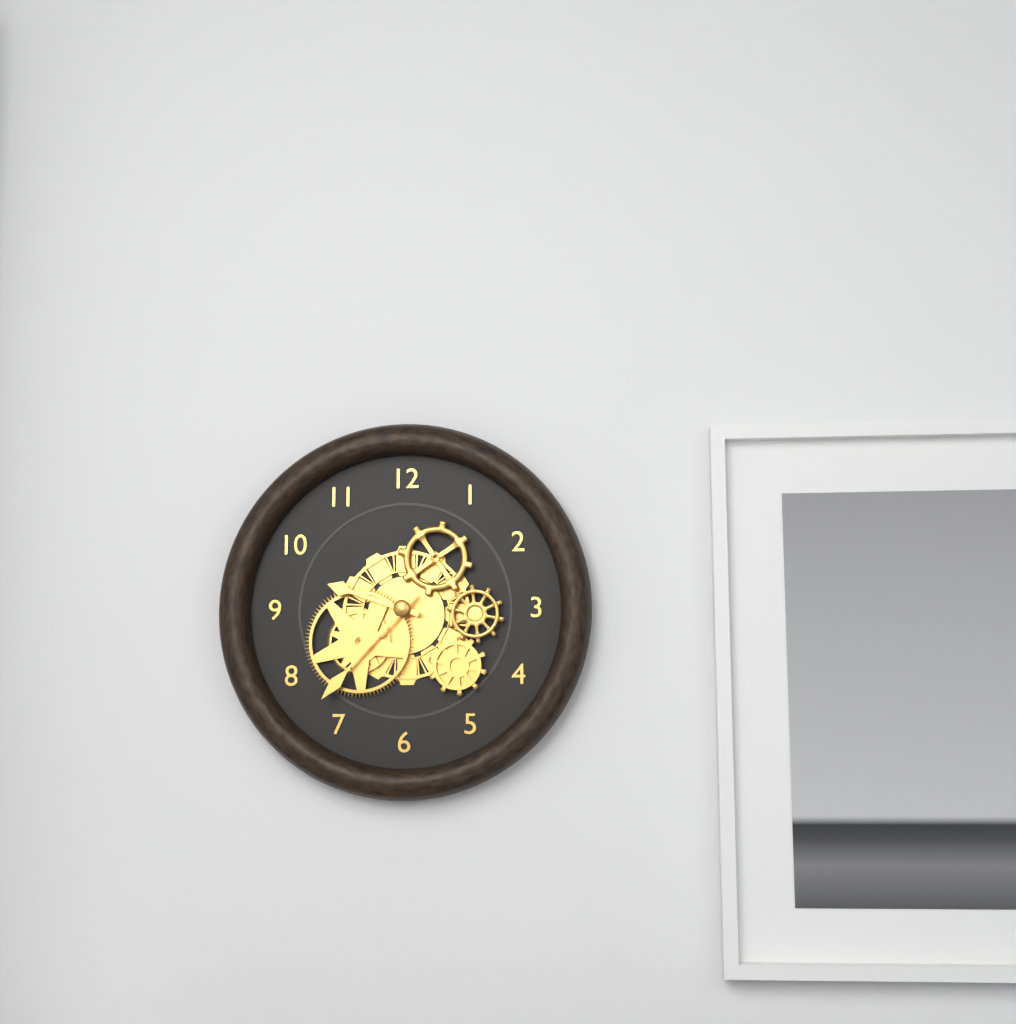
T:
**9:37**
